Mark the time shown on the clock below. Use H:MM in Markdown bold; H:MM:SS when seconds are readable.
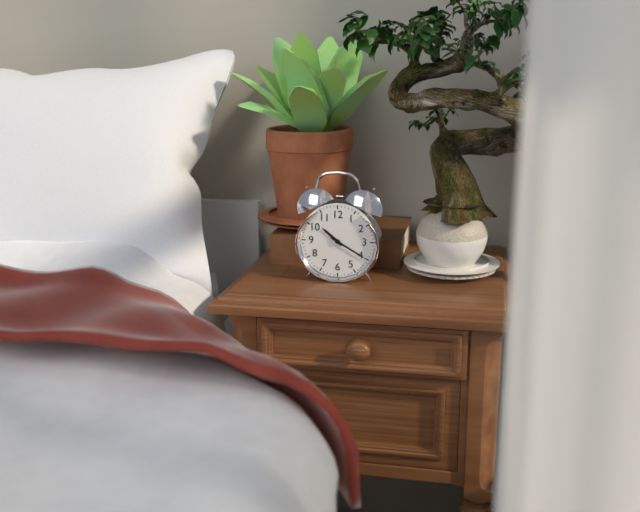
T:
**10:20**
